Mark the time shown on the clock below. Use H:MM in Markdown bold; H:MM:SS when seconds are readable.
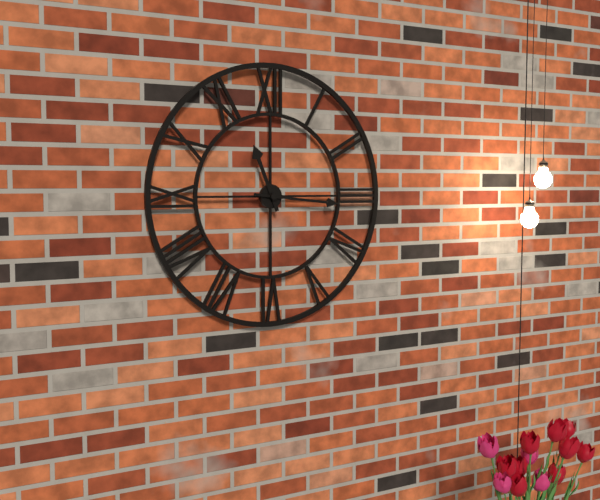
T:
**11:16**
